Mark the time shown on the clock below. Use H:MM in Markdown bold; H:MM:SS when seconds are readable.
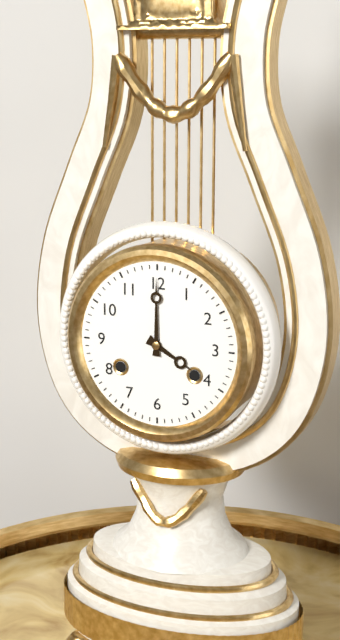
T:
**4:00**
